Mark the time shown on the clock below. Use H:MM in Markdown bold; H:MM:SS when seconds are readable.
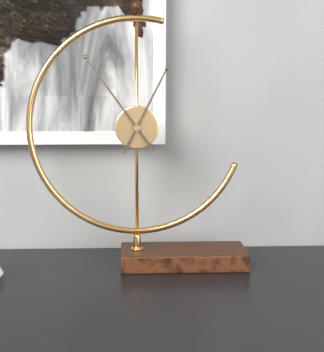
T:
**12:54**
